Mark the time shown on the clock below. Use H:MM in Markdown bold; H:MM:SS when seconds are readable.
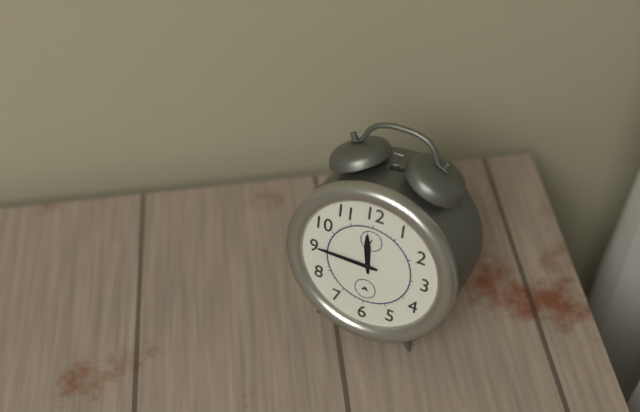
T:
**11:45**
